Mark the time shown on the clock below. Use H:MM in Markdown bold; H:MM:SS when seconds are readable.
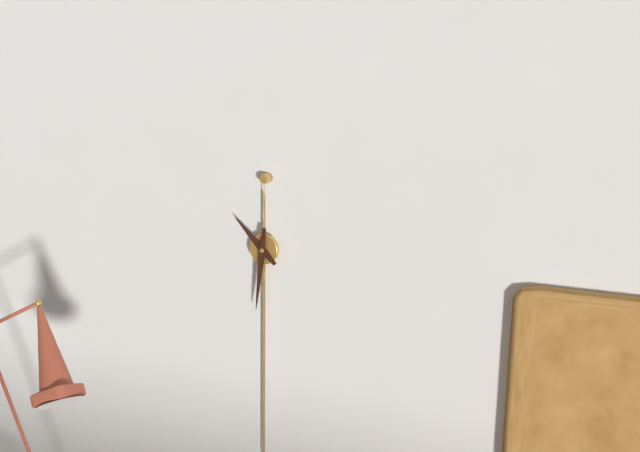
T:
**10:31**
